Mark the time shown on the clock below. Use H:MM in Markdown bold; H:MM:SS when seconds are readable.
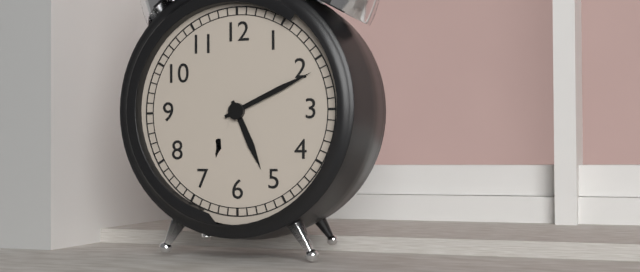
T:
**5:11**
